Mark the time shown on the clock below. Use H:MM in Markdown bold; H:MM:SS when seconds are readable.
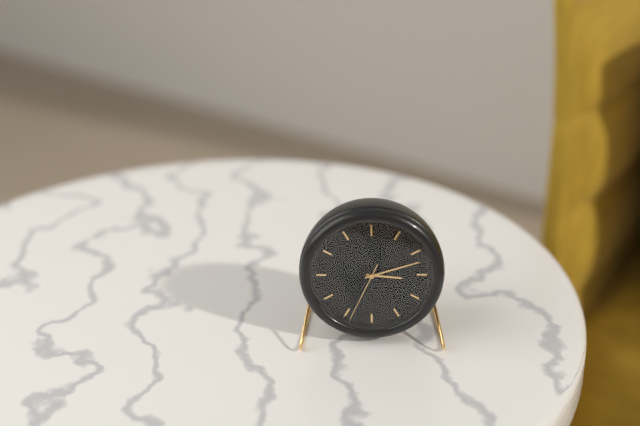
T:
**3:12:34**
